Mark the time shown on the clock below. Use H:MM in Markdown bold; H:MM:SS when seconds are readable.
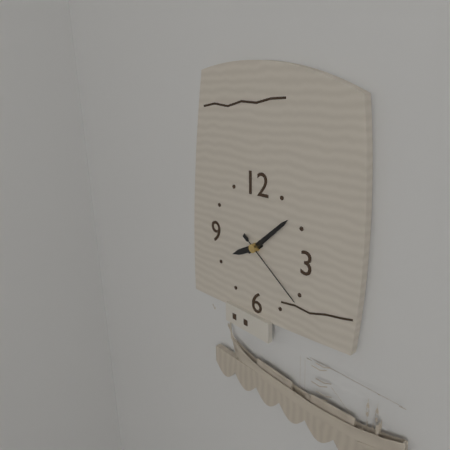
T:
**8:08:21**
